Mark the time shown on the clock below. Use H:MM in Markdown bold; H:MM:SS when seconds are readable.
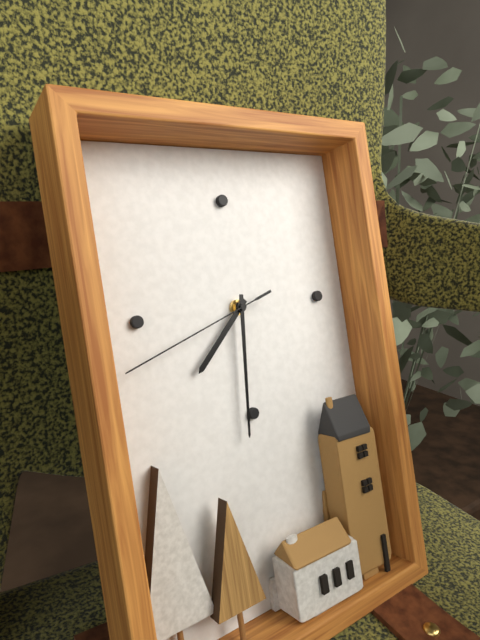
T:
**7:31:42**
